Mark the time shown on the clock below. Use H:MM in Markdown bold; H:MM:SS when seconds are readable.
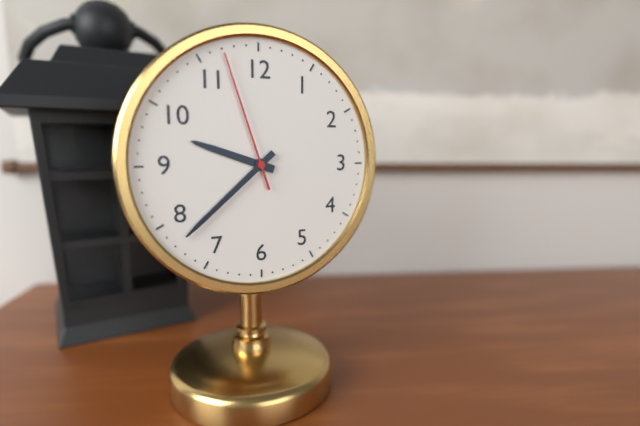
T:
**9:38:57**
